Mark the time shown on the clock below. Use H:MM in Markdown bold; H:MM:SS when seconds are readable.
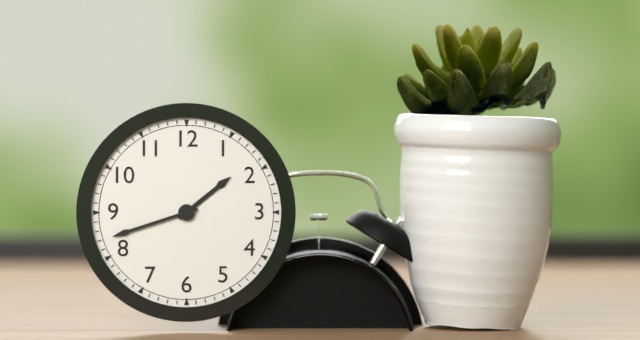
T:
**1:42**
